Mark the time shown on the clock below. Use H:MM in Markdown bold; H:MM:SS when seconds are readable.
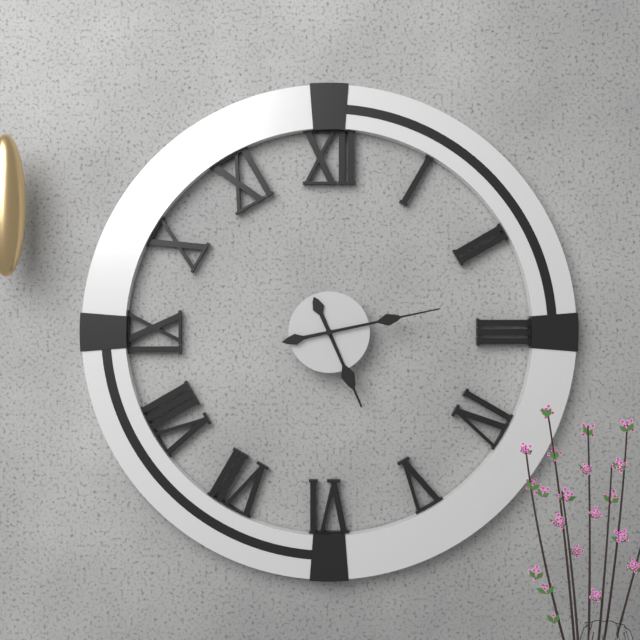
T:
**5:13**
